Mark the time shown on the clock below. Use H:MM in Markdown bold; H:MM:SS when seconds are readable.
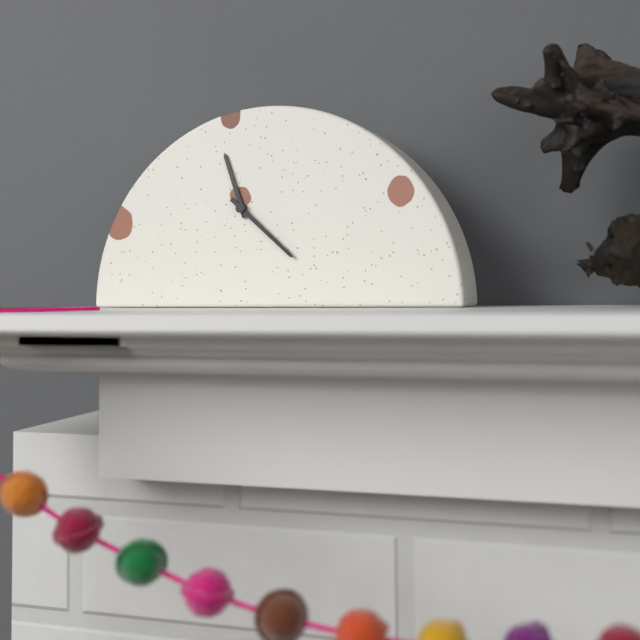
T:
**11:22**
